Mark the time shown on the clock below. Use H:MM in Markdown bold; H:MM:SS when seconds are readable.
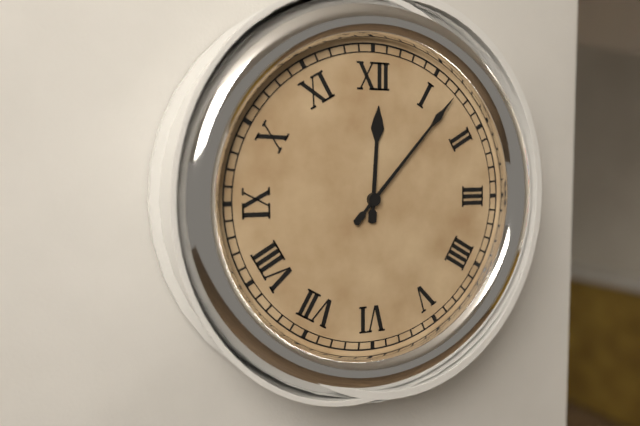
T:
**12:07**
